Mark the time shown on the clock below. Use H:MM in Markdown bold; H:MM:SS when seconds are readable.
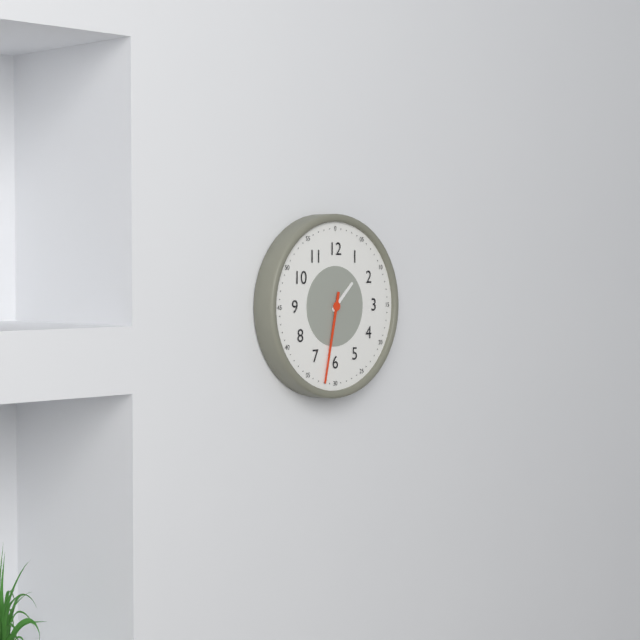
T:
**1:32**
